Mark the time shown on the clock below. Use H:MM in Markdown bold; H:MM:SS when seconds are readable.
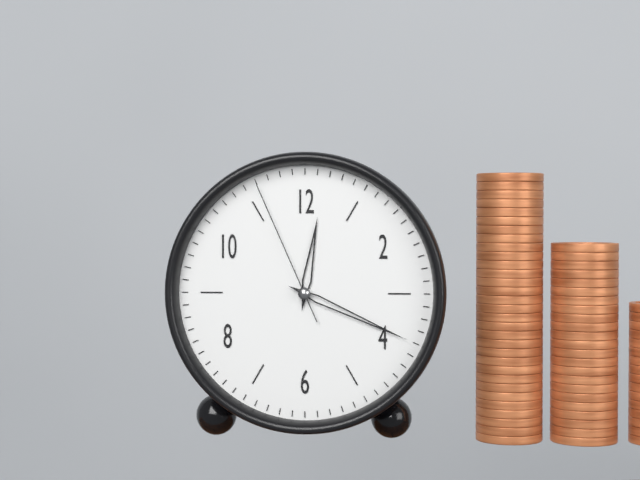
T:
**12:19:56**
